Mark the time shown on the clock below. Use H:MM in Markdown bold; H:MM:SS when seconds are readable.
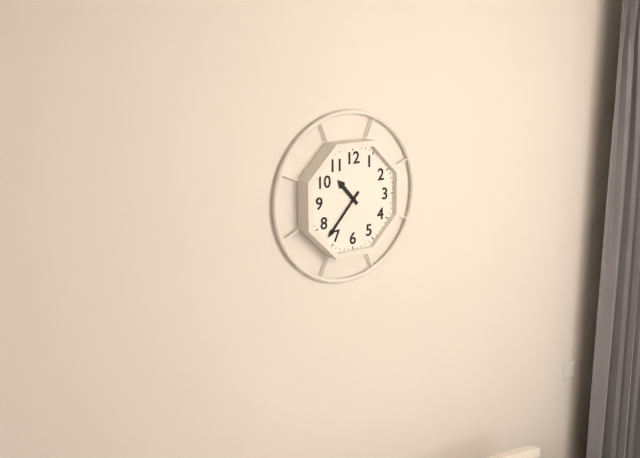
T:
**10:37**
